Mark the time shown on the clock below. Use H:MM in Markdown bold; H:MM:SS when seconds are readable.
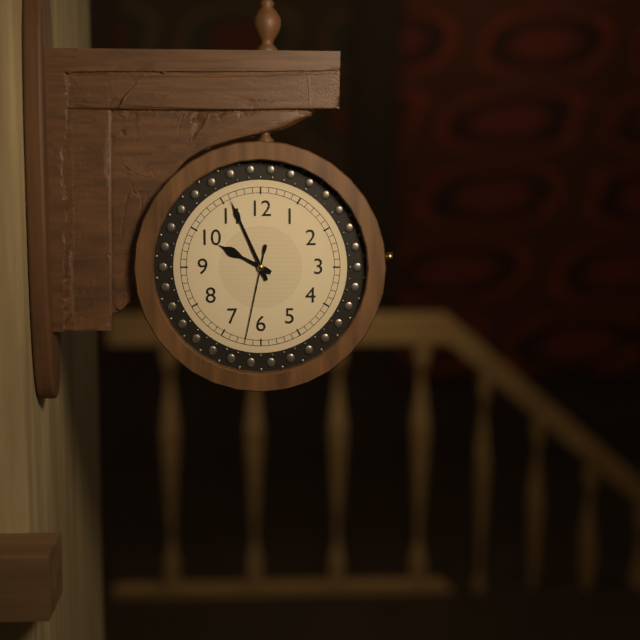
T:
**9:56:32**
